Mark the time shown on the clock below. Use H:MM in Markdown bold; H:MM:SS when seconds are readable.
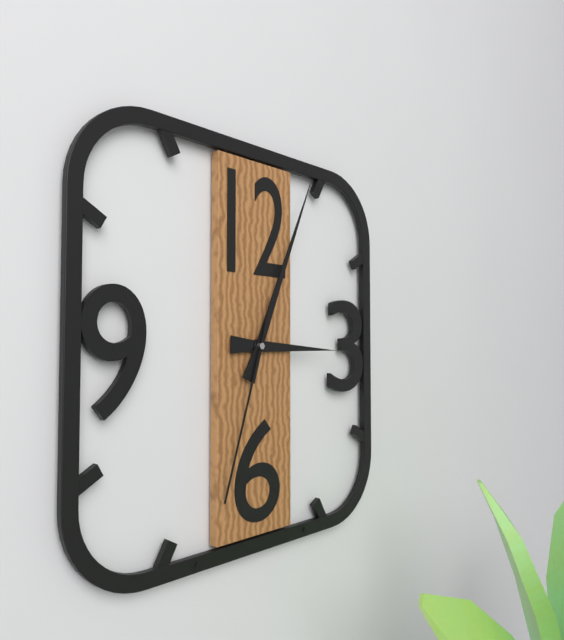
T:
**3:04:33**
